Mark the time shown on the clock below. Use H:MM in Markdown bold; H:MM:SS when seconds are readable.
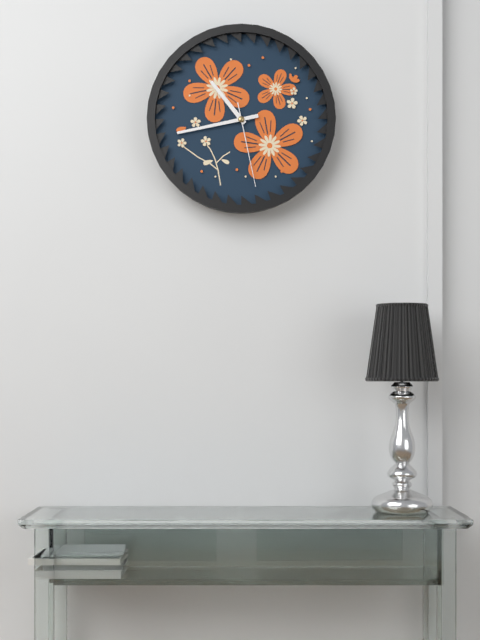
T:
**10:43:28**
